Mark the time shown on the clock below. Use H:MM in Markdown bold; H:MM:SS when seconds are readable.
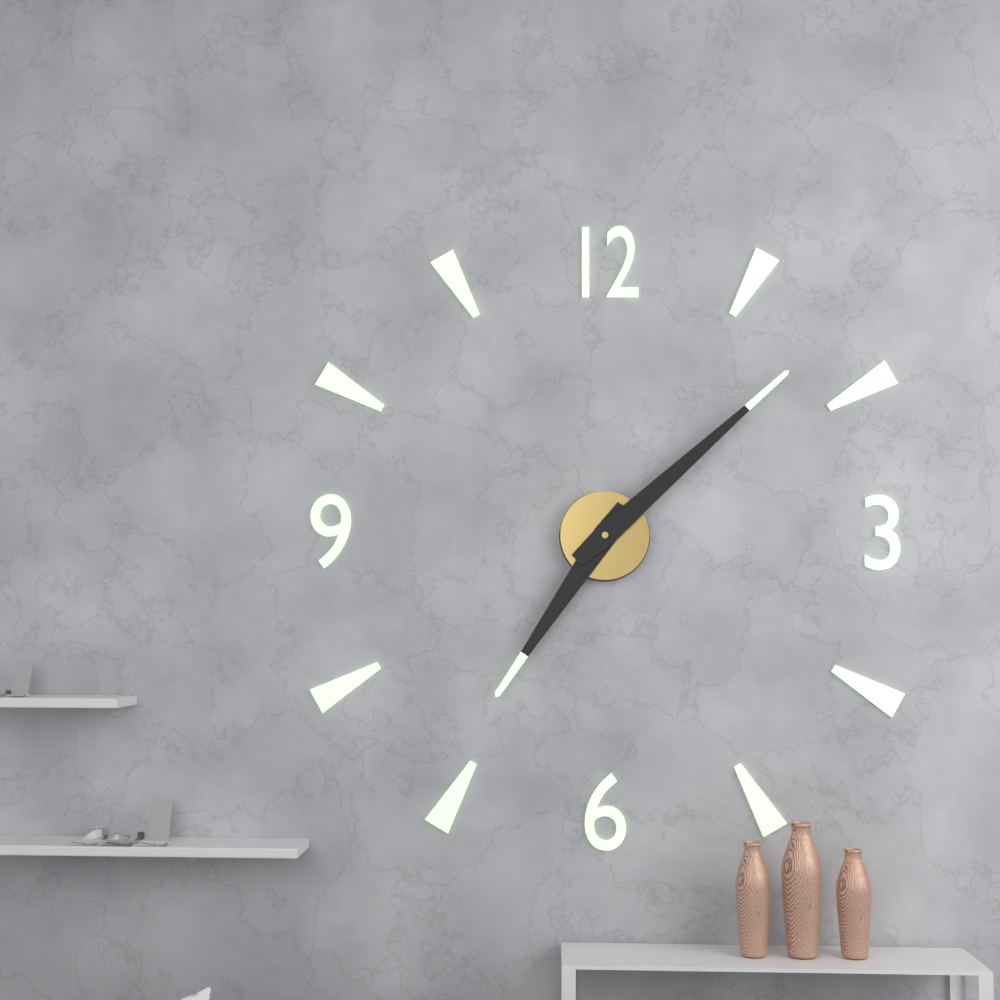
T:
**7:08**
